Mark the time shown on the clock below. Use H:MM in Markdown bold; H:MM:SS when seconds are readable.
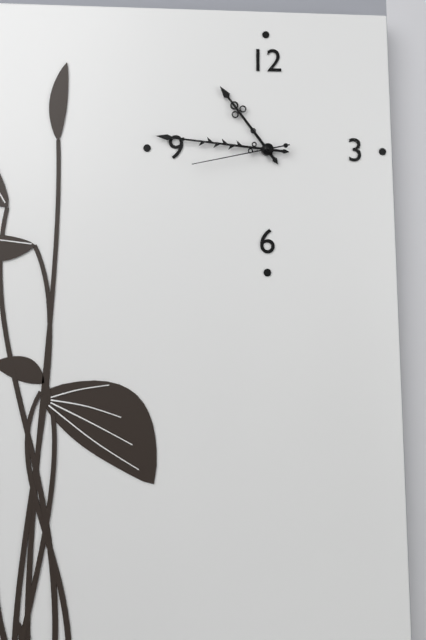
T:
**10:46:43**
